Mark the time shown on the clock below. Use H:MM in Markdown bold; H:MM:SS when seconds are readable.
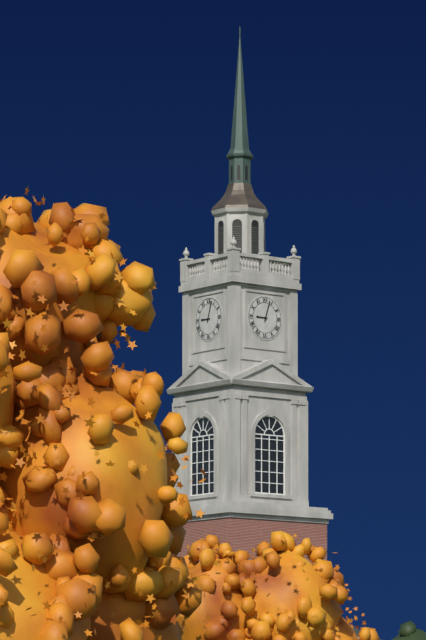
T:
**9:03**
